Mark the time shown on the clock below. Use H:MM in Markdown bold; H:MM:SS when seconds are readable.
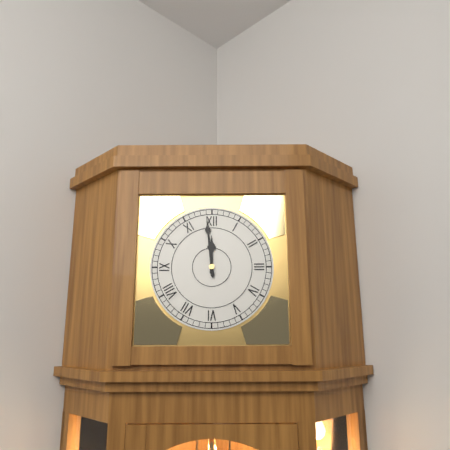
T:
**11:59**
